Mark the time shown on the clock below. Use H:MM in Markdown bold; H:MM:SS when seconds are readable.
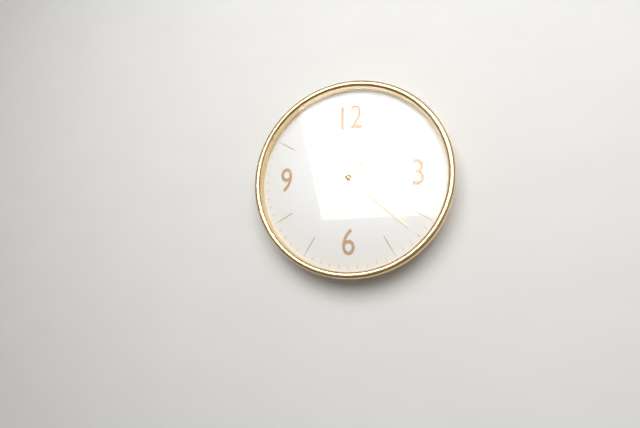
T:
**1:22**
